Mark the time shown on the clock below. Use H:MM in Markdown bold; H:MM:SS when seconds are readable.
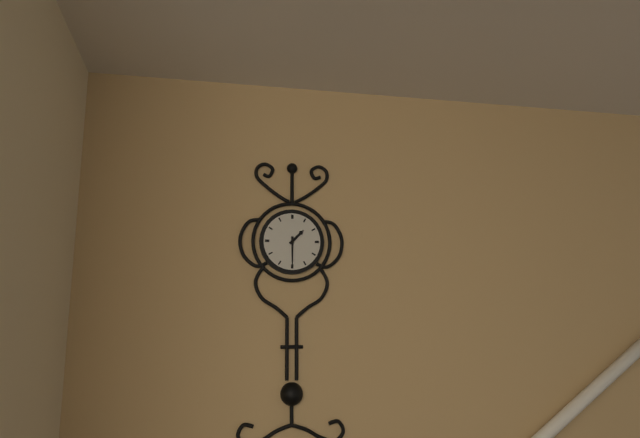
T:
**1:30**
